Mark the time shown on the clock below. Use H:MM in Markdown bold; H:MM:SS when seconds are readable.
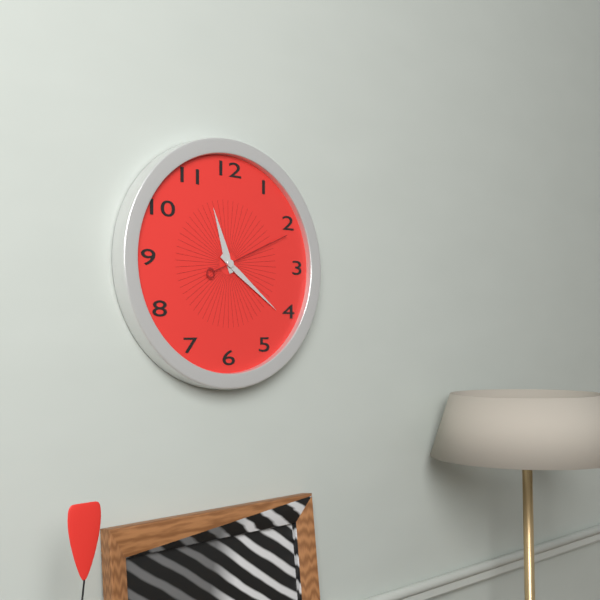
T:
**11:21:11**
